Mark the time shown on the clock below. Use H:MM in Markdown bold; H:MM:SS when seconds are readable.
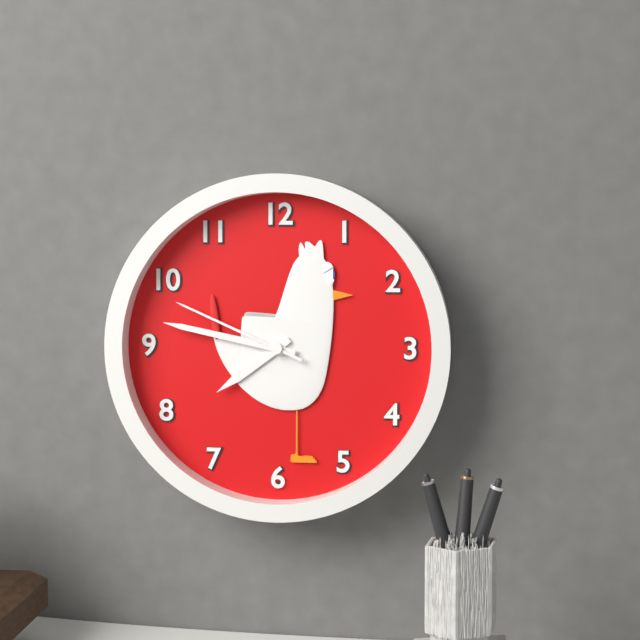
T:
**7:47:49**
